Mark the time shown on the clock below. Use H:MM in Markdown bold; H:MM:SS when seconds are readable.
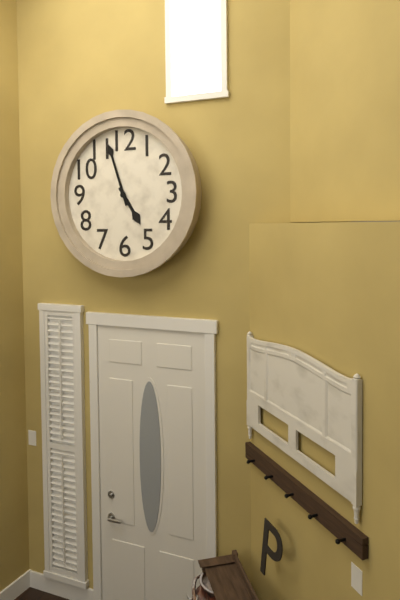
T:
**4:57**
